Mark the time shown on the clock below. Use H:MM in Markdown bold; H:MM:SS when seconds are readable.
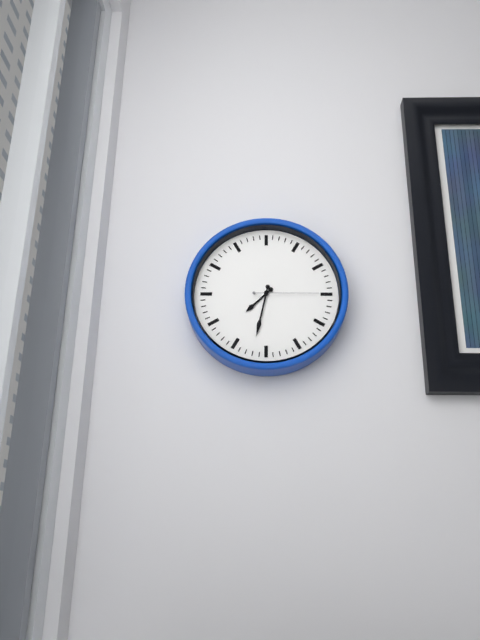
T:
**7:32:15**
